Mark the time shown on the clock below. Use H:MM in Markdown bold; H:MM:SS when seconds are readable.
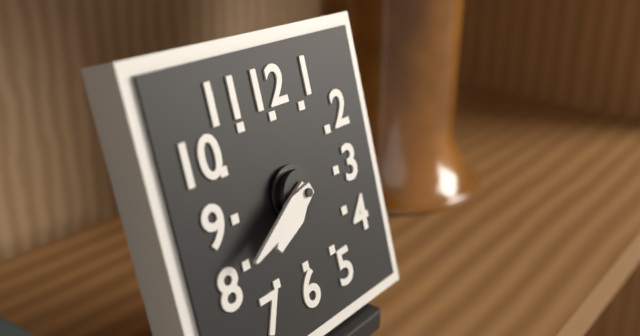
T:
**7:41**
